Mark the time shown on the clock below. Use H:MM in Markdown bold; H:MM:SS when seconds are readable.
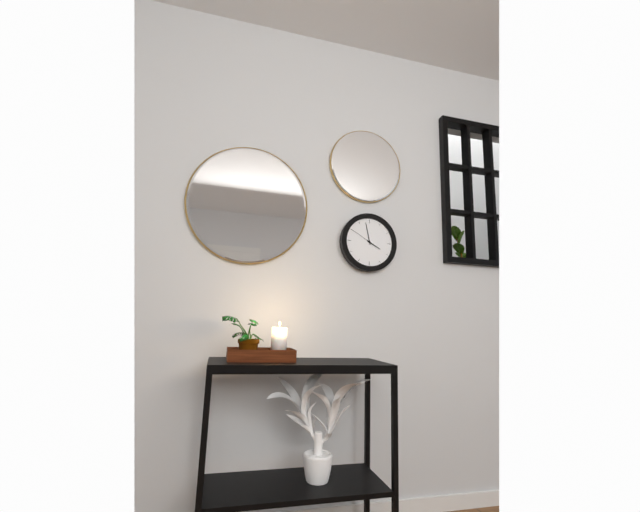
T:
**3:58**
